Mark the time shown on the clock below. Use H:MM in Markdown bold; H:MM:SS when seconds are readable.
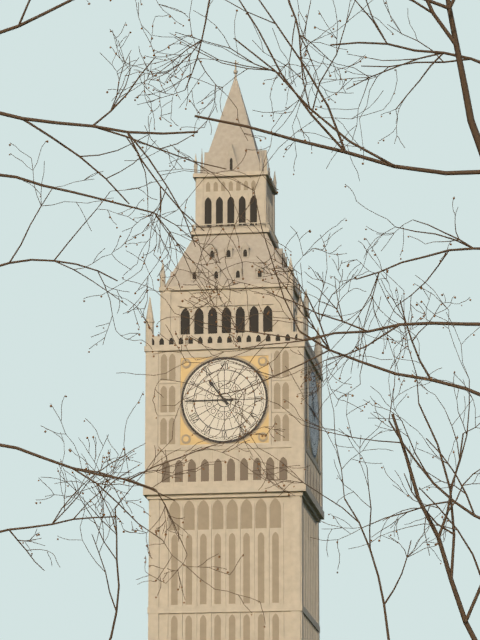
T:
**10:45**
